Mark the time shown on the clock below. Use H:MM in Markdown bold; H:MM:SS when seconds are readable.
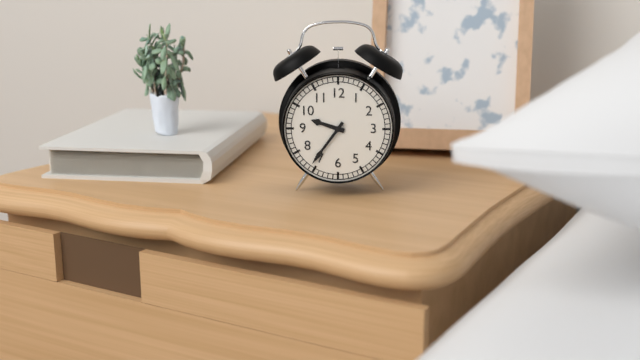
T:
**9:36**
